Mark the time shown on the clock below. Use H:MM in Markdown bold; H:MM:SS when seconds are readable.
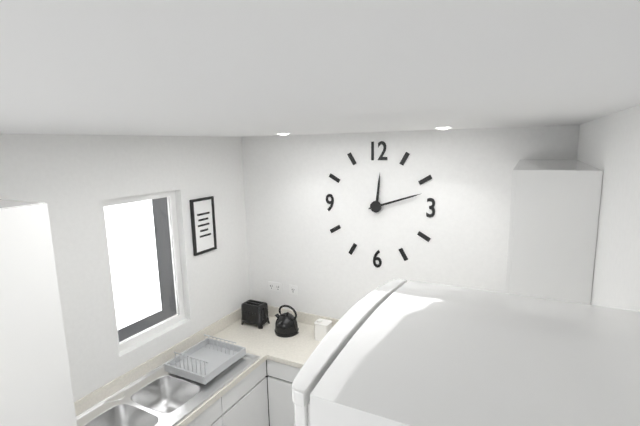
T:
**12:12**
